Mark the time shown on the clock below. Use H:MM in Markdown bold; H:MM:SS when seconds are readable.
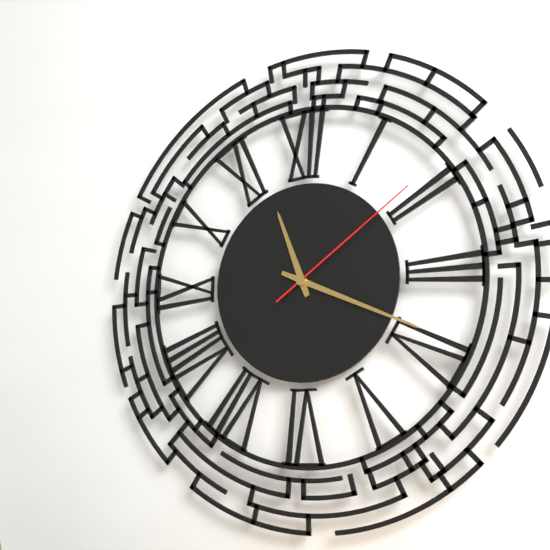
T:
**11:19:09**
